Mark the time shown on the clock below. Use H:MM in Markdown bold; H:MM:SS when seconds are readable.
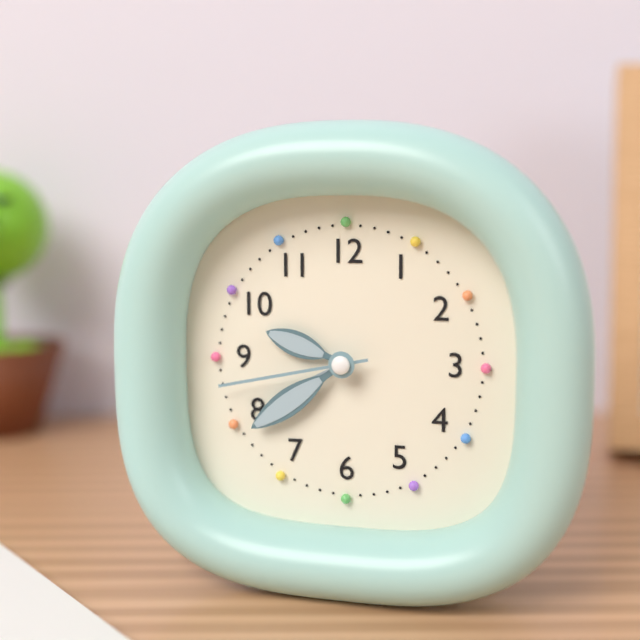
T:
**9:39:43**
